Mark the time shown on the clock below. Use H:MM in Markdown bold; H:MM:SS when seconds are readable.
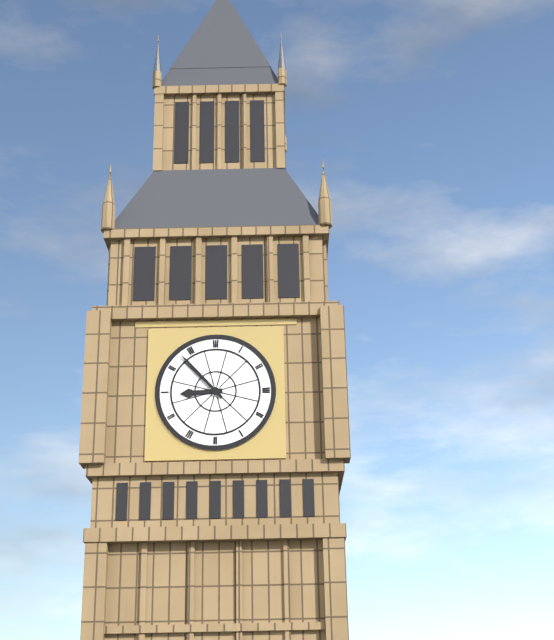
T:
**8:53**
